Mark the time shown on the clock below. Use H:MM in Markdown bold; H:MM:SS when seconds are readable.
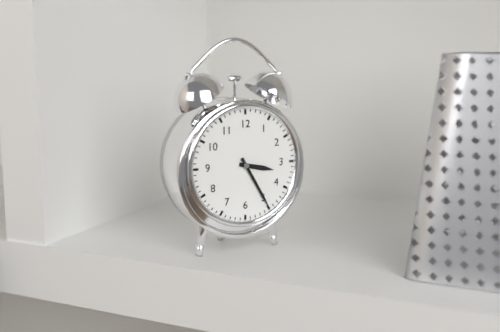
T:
**3:25**
